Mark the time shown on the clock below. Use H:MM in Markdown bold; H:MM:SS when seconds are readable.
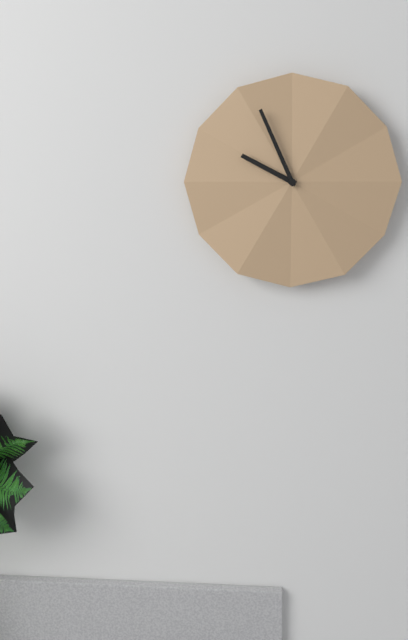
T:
**9:56**
